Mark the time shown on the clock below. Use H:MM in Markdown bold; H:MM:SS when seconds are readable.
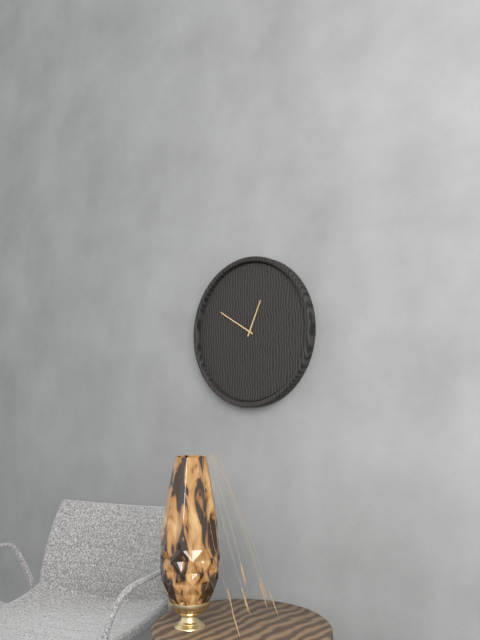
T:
**12:50**
